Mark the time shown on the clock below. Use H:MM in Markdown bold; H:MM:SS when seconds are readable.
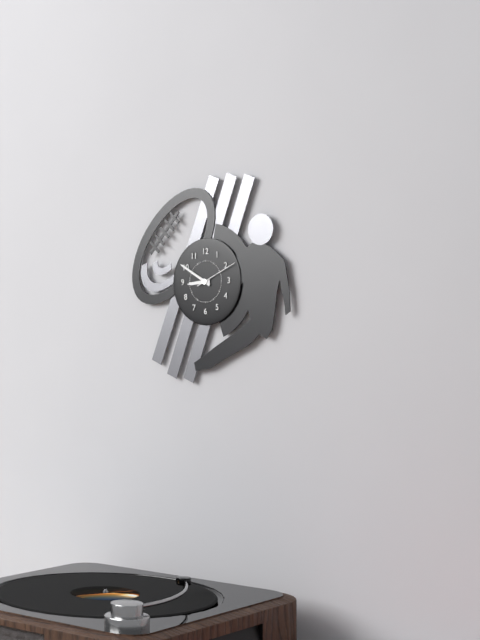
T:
**8:50**
